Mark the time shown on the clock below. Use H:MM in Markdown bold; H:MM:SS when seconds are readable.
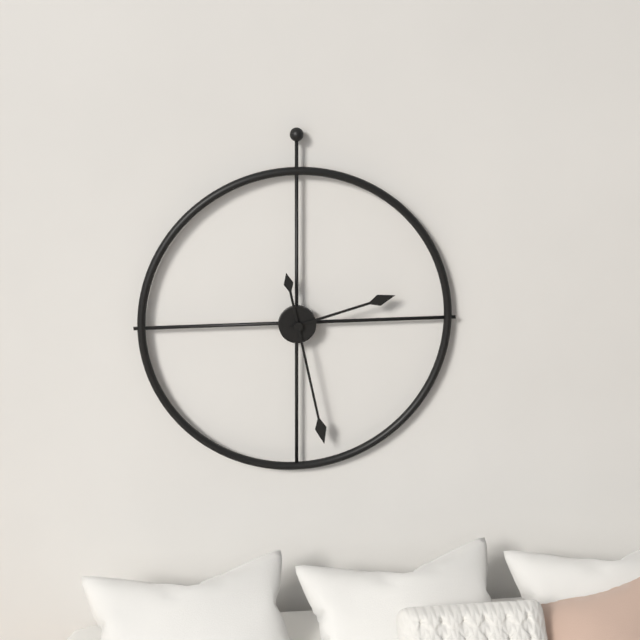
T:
**2:28**
